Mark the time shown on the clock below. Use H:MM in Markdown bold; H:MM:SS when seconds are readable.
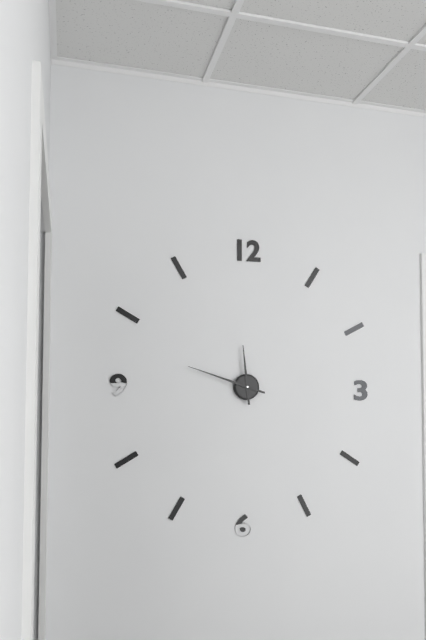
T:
**11:48**
